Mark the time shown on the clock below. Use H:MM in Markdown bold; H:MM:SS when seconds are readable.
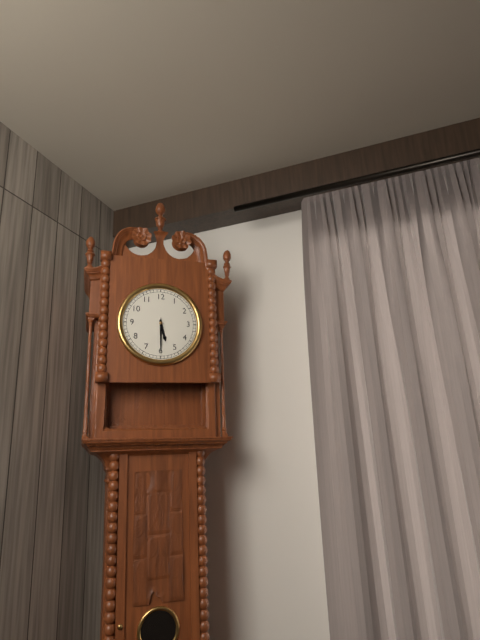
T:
**5:30**
